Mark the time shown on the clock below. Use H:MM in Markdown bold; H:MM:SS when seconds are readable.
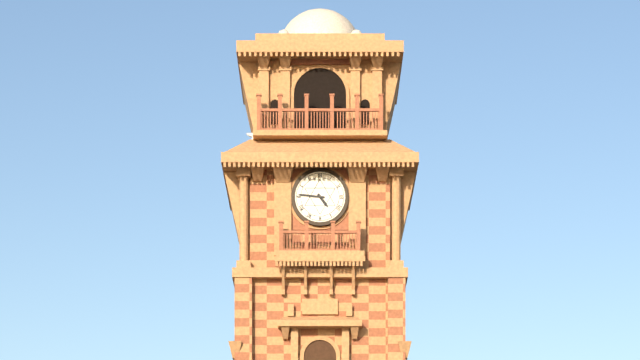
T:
**4:46**
